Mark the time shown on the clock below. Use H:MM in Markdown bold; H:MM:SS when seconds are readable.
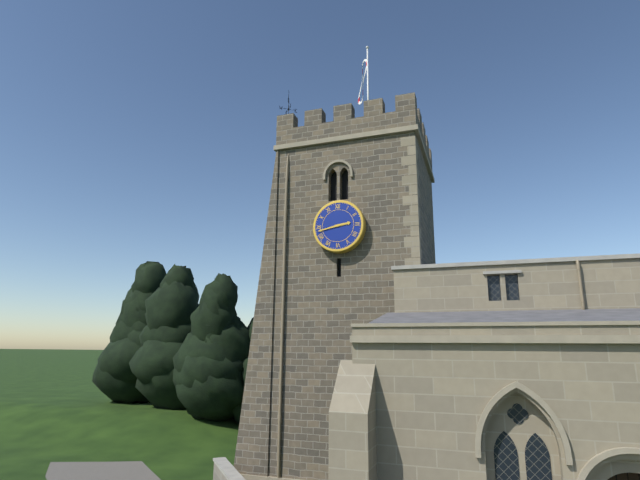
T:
**2:43**
